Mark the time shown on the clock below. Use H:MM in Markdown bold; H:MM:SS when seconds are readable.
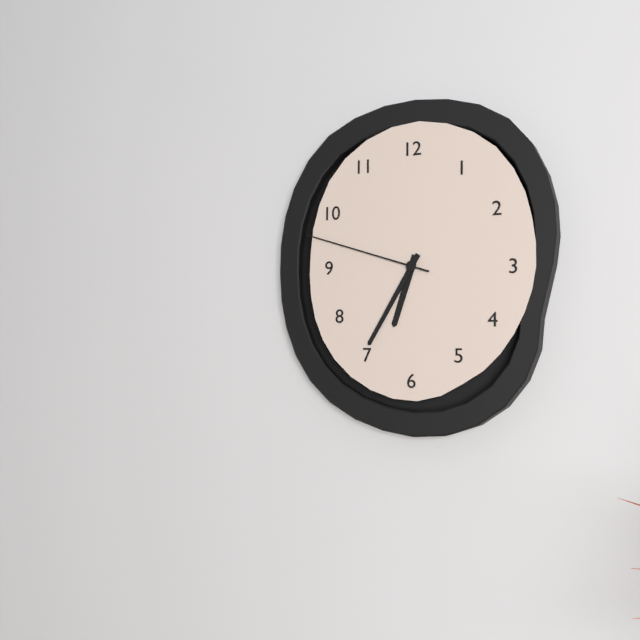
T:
**6:35:48**
